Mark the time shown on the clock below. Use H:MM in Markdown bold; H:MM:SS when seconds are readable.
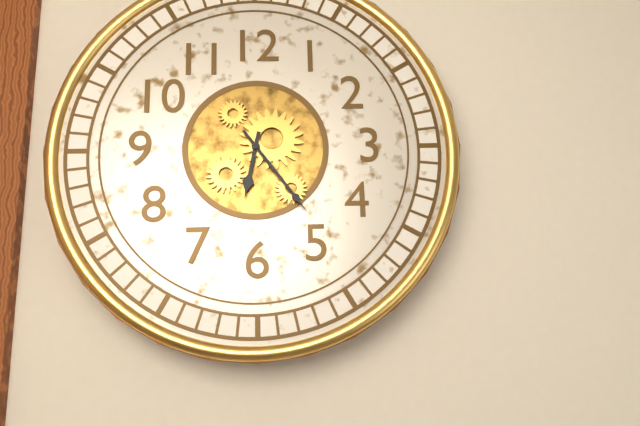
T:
**6:24**
